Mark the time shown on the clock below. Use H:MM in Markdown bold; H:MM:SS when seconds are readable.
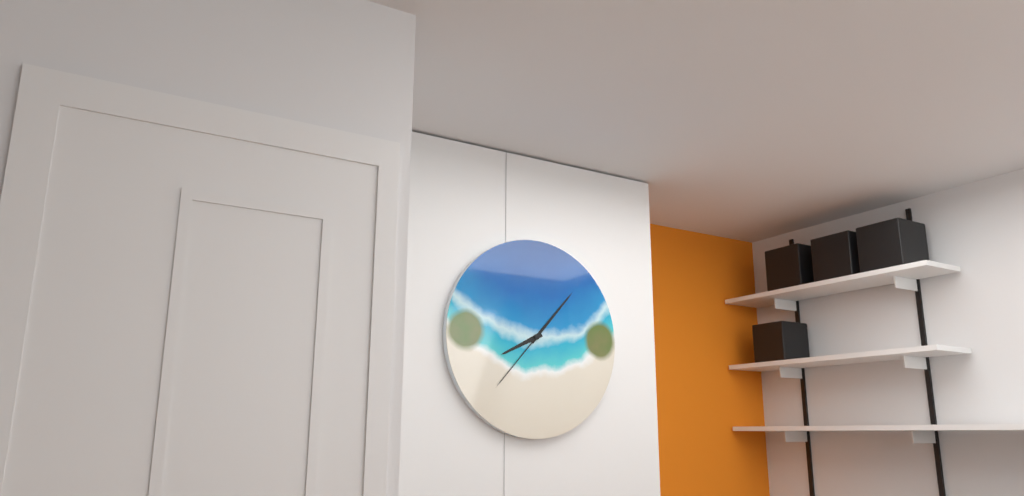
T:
**8:07:37**
